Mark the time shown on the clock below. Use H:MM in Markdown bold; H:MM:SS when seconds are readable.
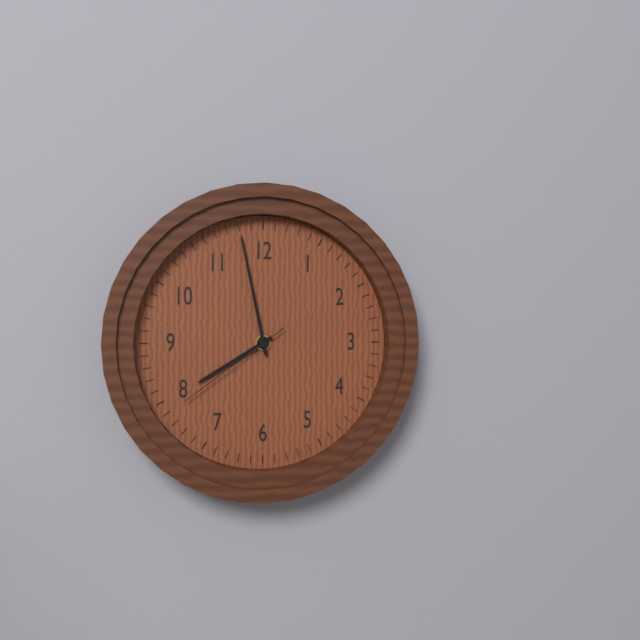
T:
**7:58:39**
